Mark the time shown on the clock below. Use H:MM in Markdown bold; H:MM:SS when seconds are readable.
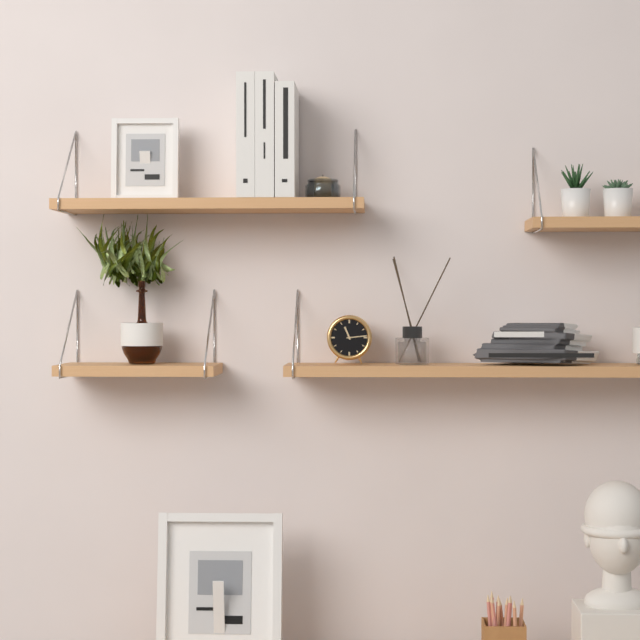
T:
**11:14**
